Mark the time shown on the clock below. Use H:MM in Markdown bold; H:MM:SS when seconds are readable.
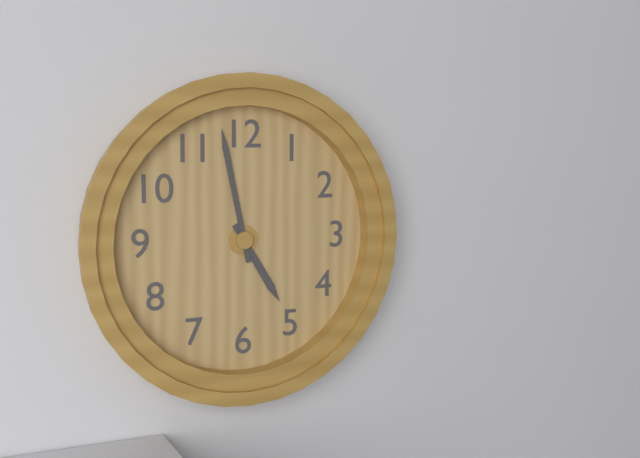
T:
**4:58**
